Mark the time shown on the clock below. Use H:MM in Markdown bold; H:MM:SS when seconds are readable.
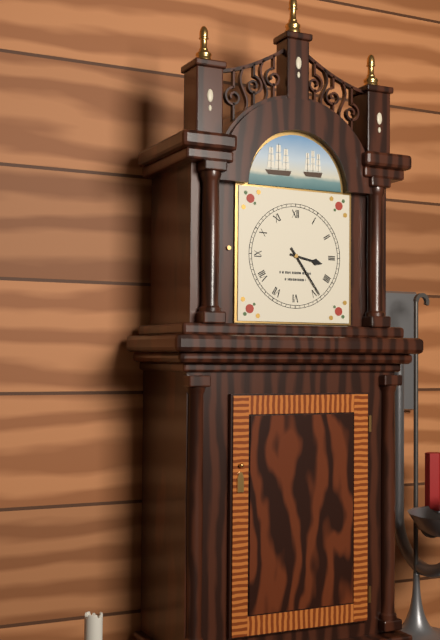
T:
**3:24**
